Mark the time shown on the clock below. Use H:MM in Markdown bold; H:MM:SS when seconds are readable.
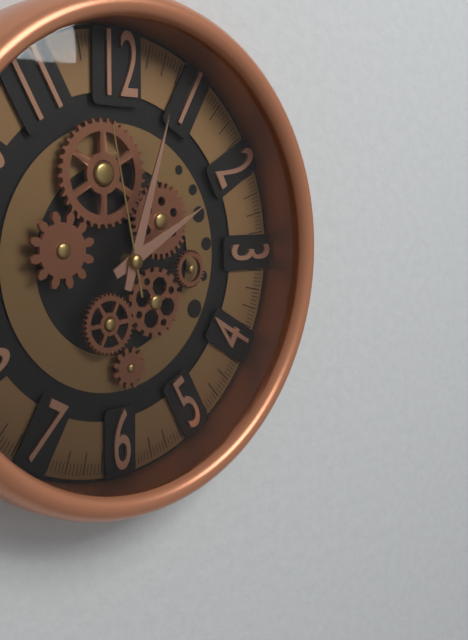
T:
**2:03:58**
